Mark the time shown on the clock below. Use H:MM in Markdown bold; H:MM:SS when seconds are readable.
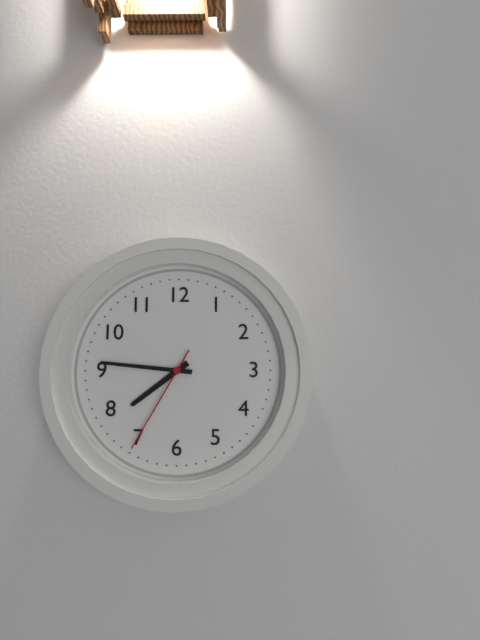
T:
**7:46:35**
